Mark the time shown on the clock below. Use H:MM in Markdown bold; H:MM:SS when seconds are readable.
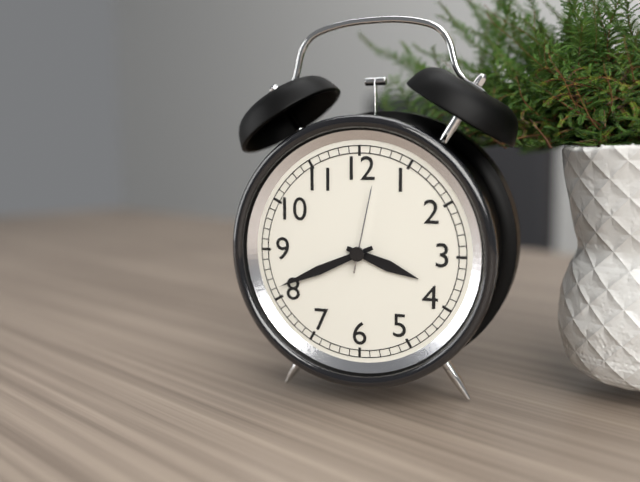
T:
**3:41:02**
